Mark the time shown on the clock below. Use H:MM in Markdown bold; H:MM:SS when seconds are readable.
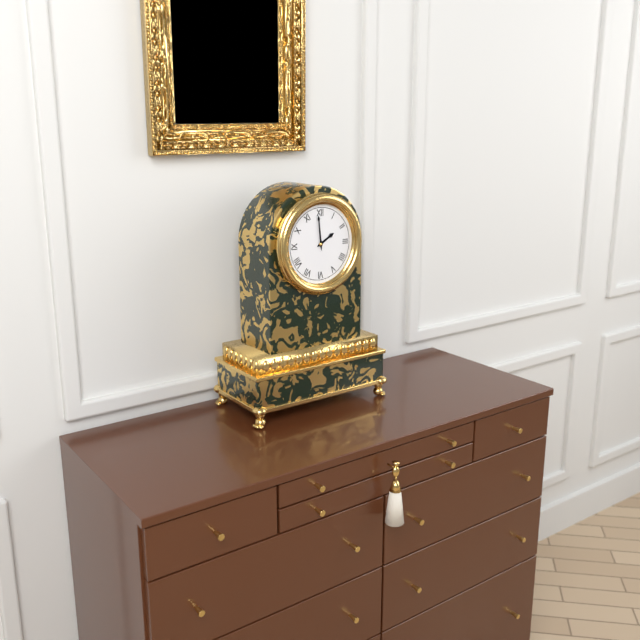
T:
**1:59**
